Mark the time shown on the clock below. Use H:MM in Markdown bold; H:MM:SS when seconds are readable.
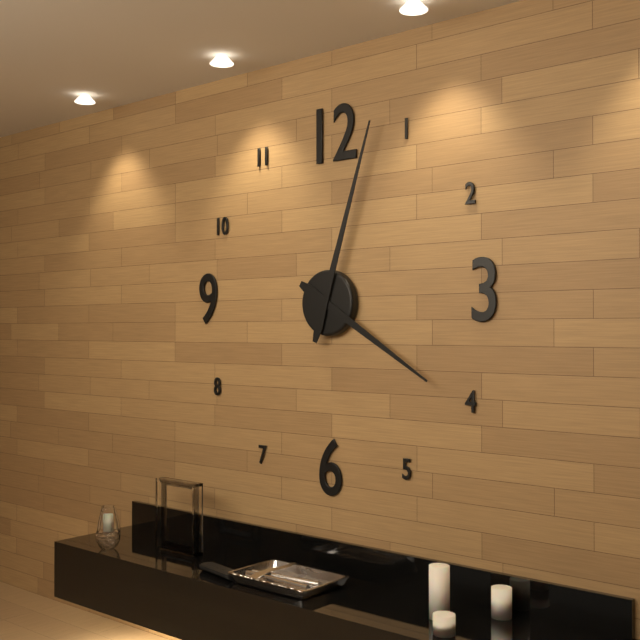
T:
**4:03**
